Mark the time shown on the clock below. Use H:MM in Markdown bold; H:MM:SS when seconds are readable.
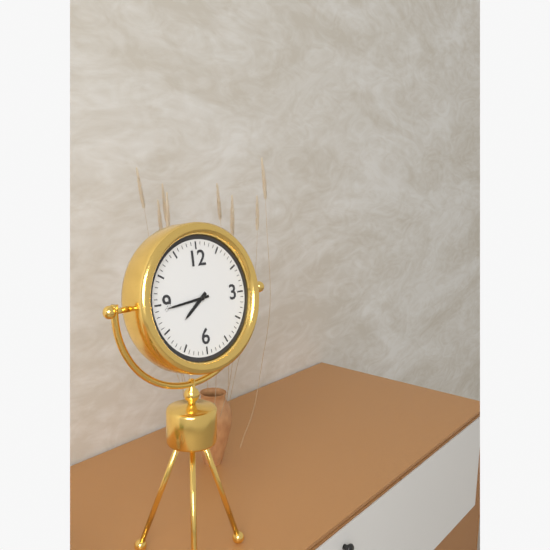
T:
**7:44**
